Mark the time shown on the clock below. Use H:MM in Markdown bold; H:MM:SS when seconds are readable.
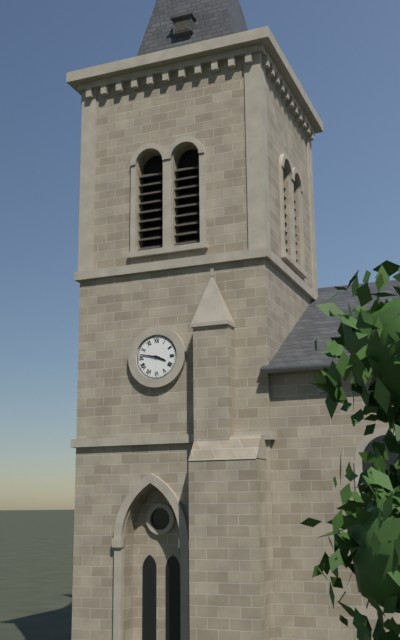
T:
**3:47**
